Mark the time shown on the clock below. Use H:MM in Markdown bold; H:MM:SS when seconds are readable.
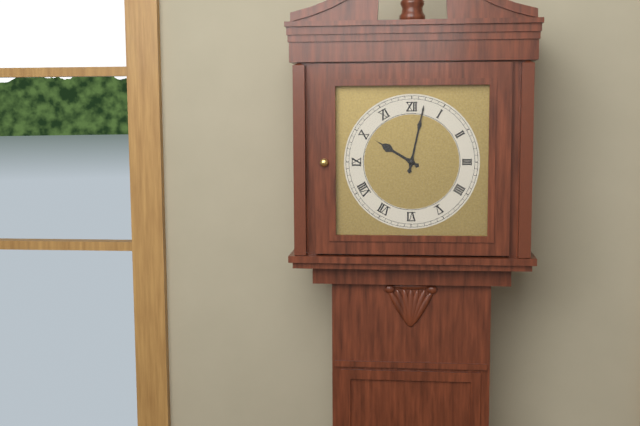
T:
**10:02**
